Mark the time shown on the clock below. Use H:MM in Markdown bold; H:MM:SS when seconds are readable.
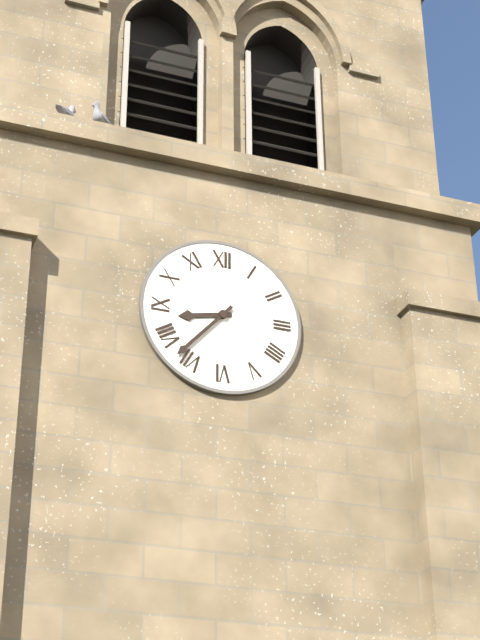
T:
**8:37**
